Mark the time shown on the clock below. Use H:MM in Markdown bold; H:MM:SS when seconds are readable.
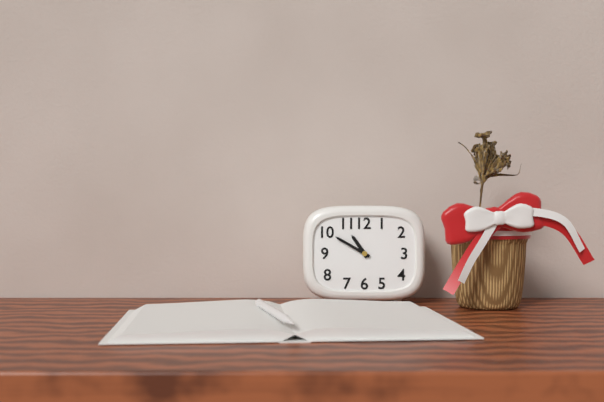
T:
**10:50**
